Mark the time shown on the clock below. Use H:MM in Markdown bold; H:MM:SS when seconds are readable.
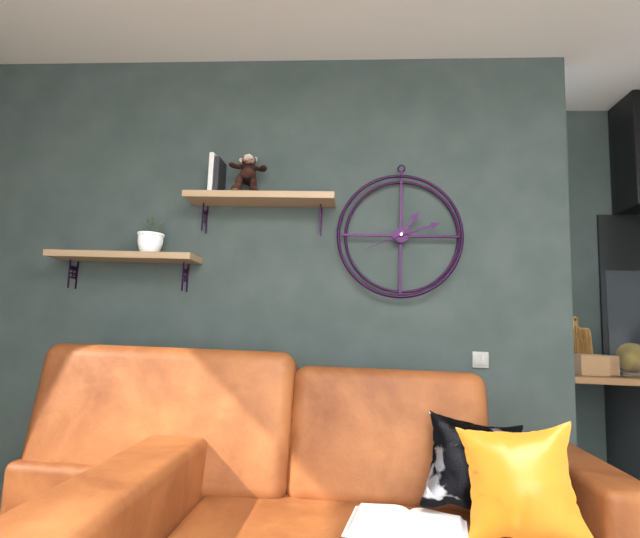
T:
**1:12**
